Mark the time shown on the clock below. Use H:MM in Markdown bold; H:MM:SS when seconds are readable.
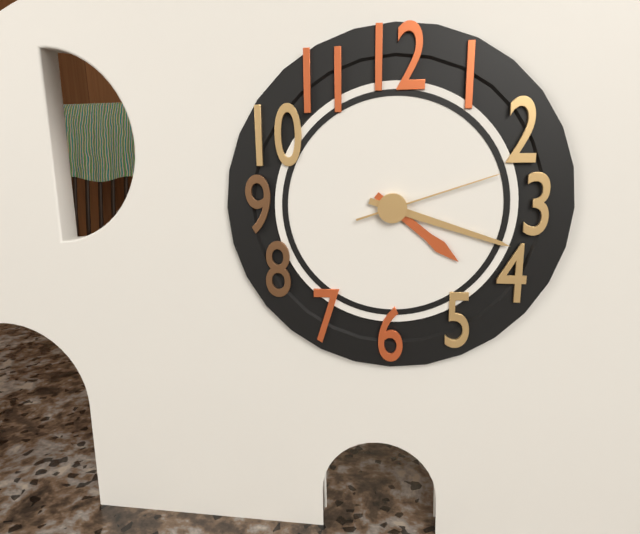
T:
**4:18:12**
